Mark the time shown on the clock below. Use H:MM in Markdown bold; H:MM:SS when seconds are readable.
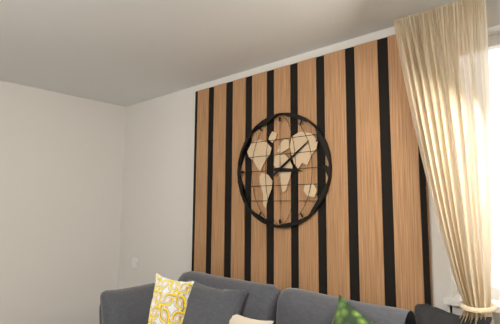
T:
**3:09**
